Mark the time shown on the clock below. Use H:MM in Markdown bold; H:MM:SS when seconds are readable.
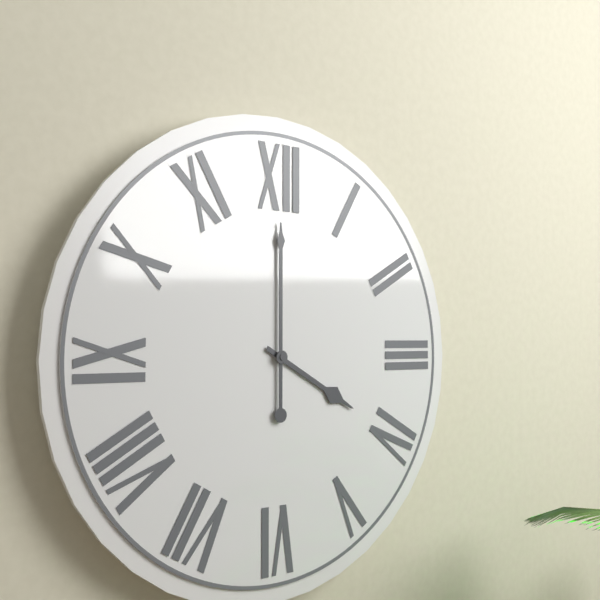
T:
**4:00**
